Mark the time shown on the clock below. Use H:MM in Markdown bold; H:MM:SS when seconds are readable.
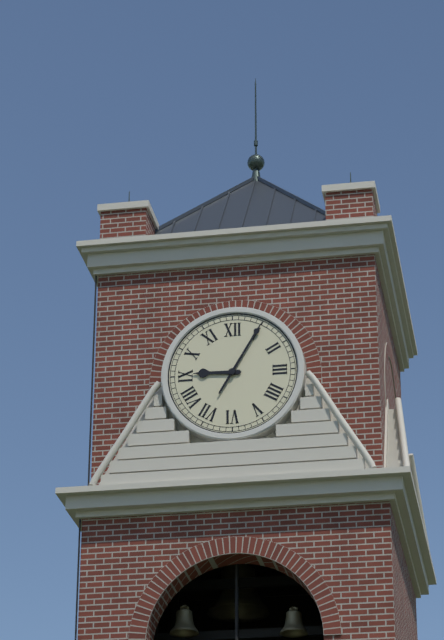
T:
**9:05**
